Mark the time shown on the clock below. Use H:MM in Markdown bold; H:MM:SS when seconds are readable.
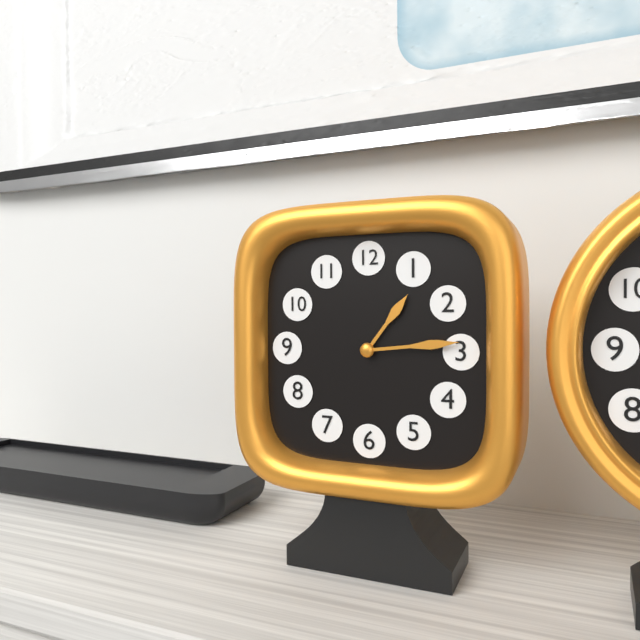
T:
**1:14**
